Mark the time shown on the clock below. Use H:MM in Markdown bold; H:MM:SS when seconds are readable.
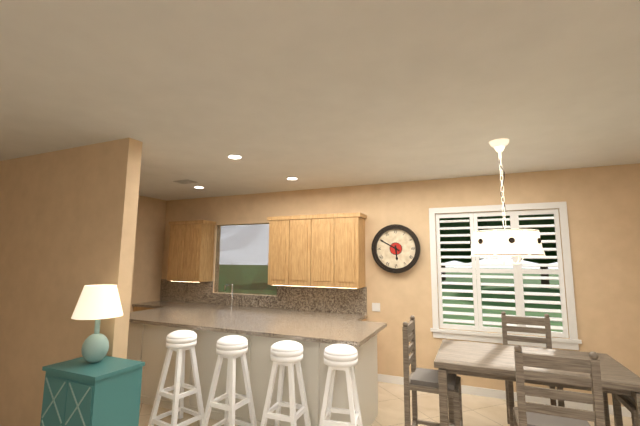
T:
**5:50**
